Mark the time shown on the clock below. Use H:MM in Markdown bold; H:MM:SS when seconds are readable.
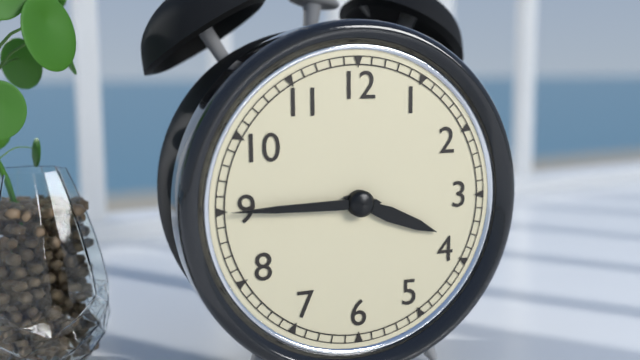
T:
**3:45**
